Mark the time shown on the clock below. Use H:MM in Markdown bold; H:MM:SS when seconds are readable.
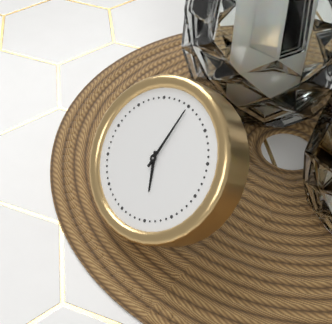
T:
**5:00**
